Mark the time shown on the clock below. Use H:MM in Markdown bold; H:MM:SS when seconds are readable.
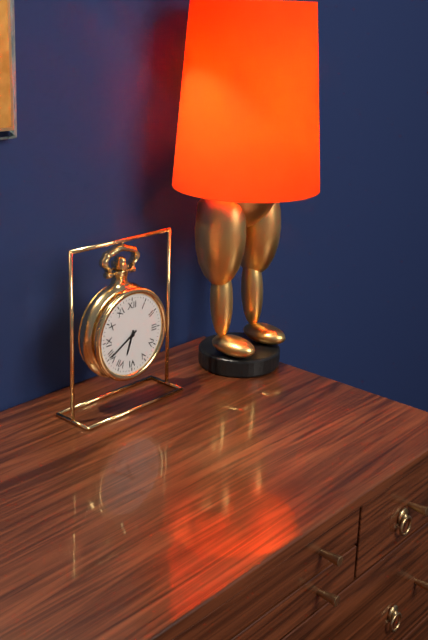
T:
**6:40**
